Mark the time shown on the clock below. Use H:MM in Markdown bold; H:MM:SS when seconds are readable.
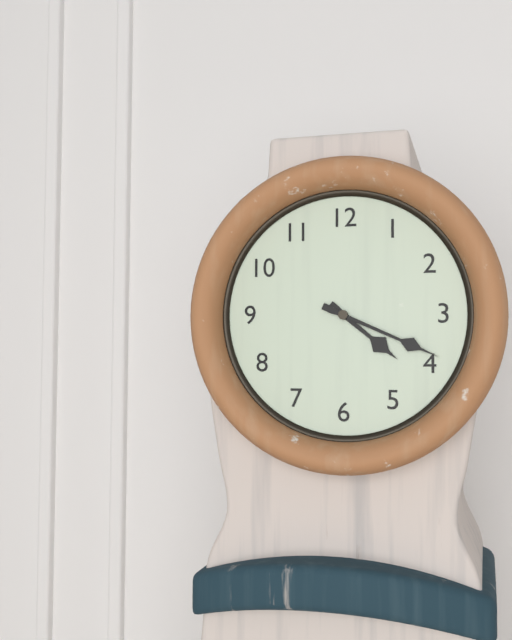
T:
**4:19**
